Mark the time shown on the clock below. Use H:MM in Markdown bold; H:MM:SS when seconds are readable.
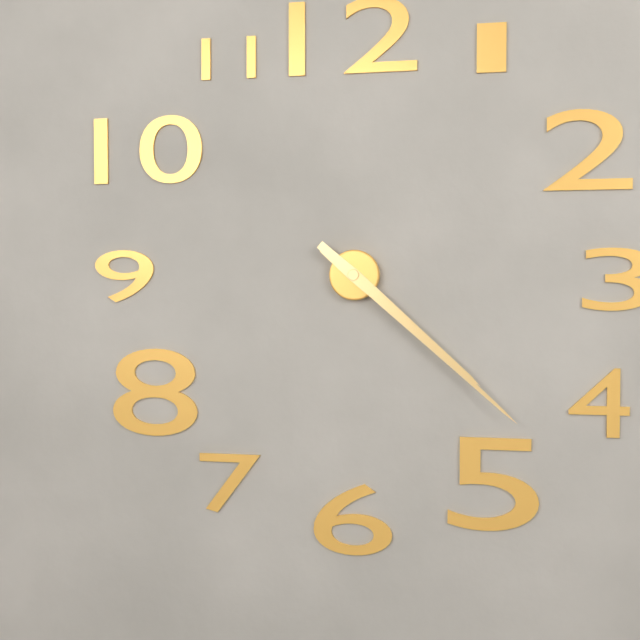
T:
**4:22**
